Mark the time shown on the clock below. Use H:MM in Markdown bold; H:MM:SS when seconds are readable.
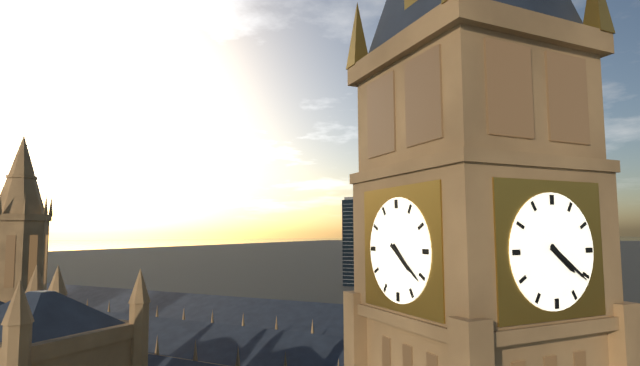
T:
**4:21**
